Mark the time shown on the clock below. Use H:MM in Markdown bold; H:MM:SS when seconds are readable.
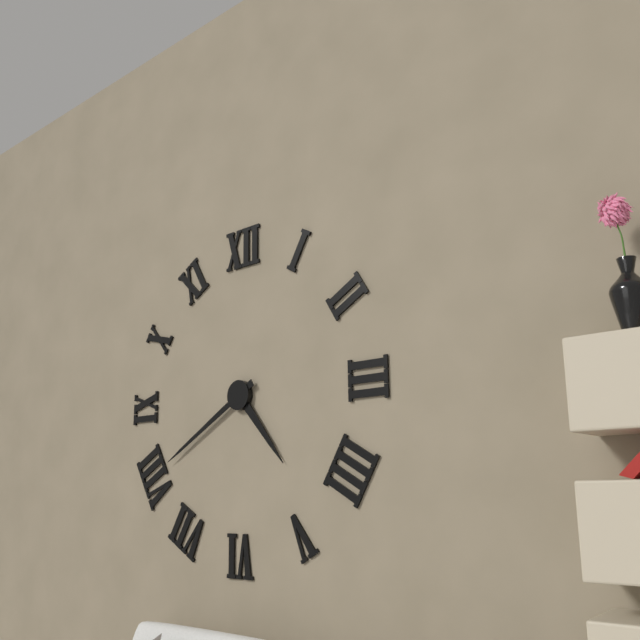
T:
**4:40**
